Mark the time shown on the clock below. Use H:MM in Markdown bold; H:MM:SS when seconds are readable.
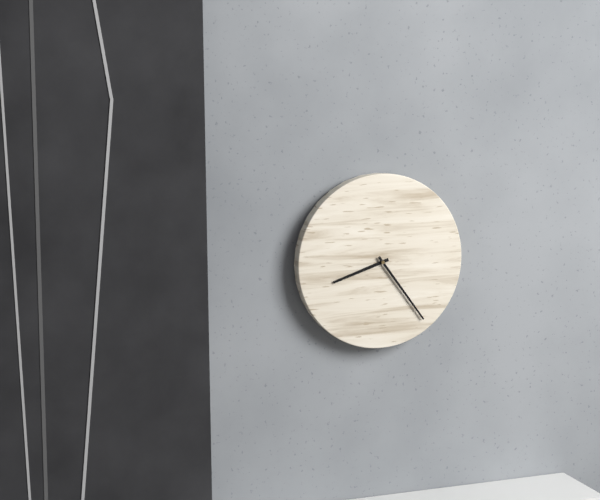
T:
**8:24**
